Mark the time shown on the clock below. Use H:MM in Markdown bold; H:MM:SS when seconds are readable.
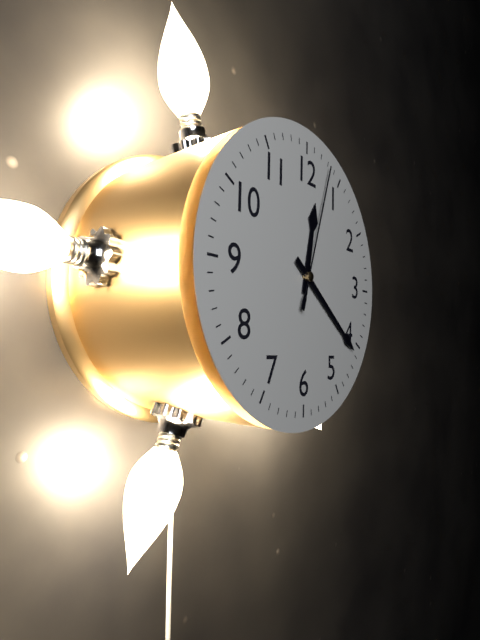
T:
**12:21:03**
